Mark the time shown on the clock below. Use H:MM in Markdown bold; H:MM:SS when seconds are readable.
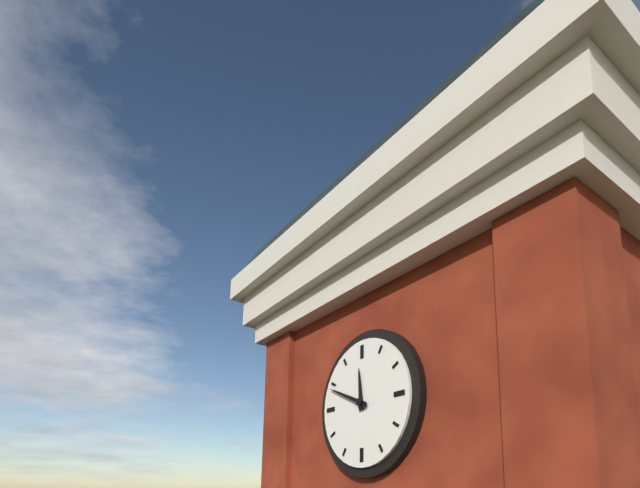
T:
**11:49**
